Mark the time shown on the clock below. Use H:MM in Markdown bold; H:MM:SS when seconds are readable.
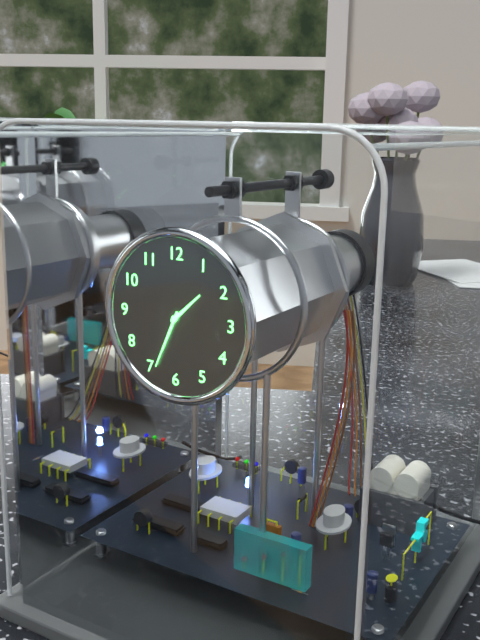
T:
**1:34**
